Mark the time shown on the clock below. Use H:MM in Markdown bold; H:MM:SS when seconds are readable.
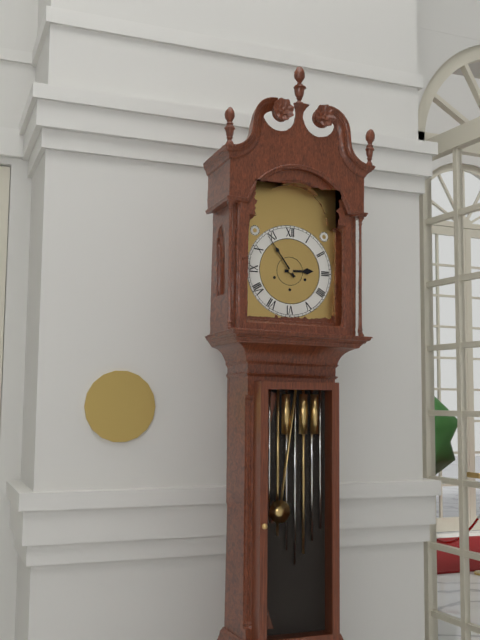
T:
**2:54**
